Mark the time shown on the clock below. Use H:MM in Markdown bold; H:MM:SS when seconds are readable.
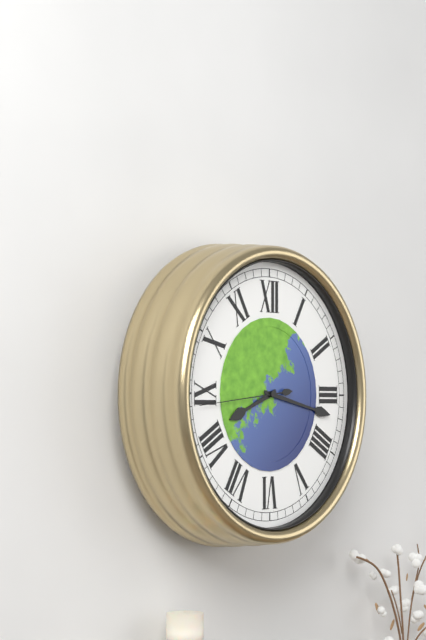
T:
**8:17:44**
